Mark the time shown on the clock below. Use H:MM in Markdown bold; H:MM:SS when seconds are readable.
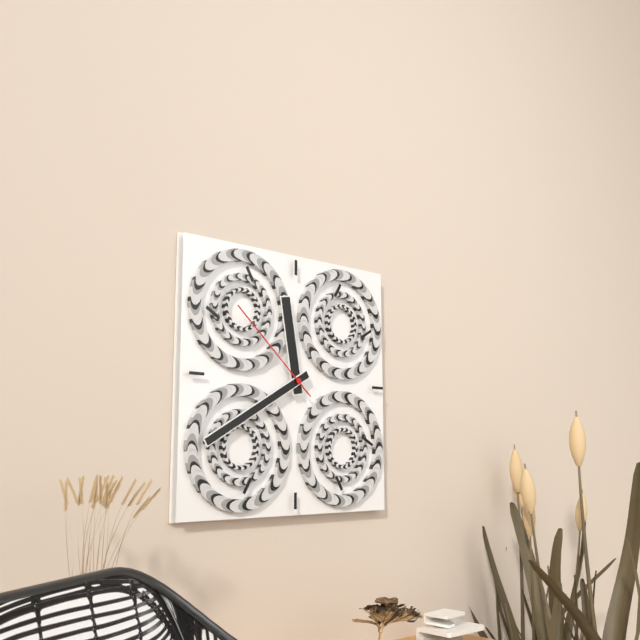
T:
**11:40:52**
